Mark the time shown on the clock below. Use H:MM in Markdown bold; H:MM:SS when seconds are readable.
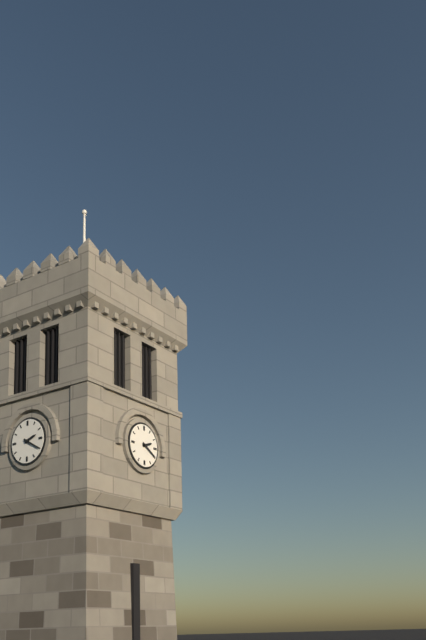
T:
**2:20**
